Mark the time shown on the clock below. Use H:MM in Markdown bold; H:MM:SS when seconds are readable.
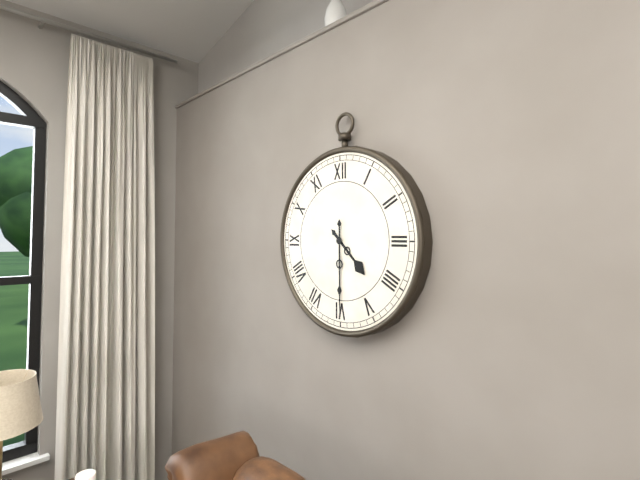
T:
**4:30**
